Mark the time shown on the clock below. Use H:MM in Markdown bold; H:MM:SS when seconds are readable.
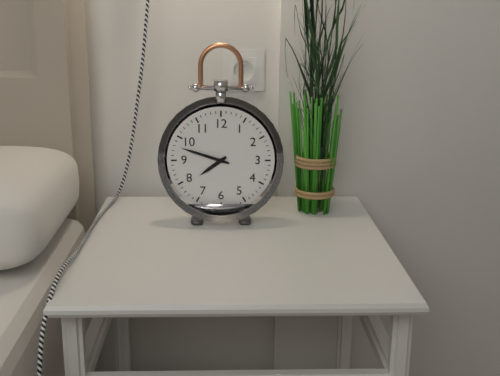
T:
**7:48**
